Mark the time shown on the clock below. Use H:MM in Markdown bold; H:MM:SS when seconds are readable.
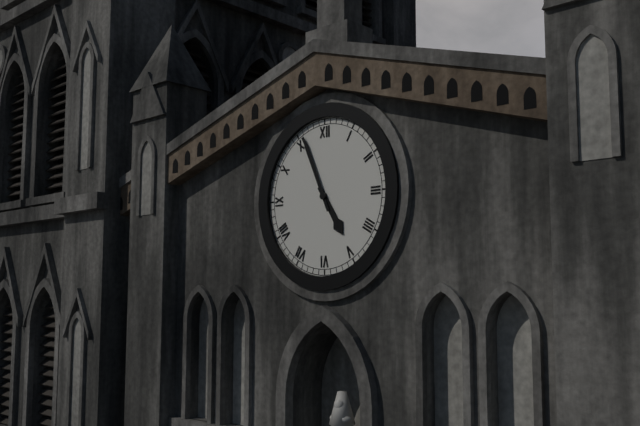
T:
**4:56**
